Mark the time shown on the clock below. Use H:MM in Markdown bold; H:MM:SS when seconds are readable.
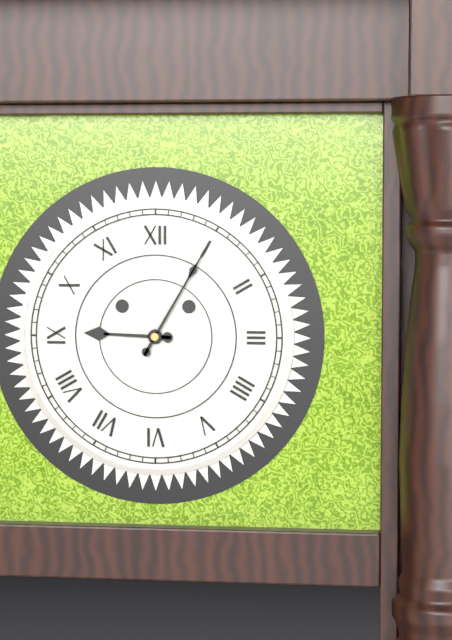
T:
**9:05**
